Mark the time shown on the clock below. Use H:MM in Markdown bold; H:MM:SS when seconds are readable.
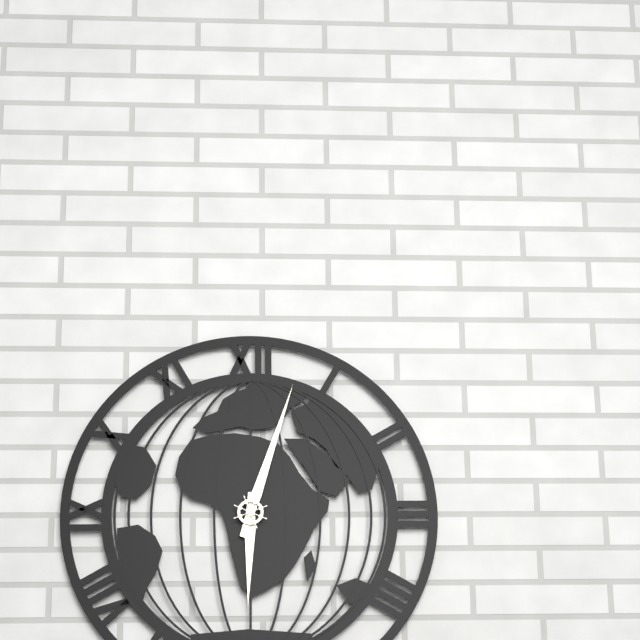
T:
**6:03**
